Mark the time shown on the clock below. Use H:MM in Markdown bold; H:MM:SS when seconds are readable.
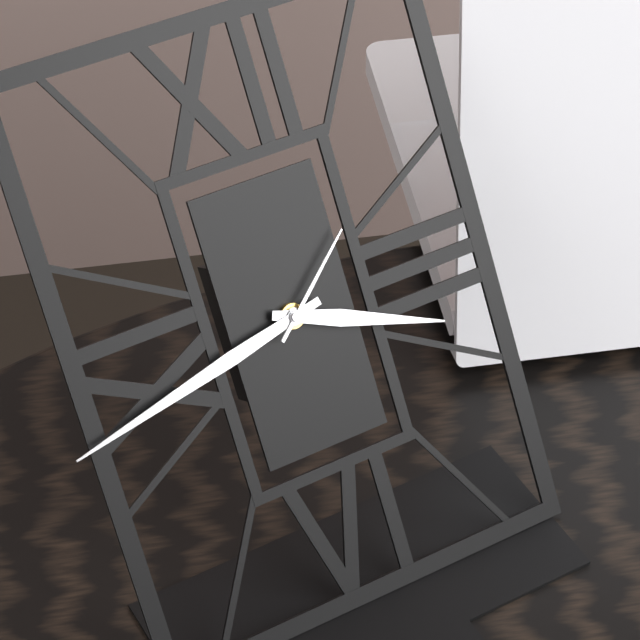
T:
**3:43:08**
